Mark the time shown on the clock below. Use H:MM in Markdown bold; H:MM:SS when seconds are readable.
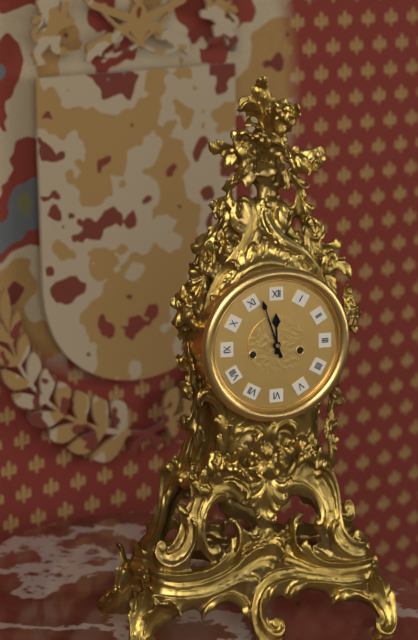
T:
**11:57**
